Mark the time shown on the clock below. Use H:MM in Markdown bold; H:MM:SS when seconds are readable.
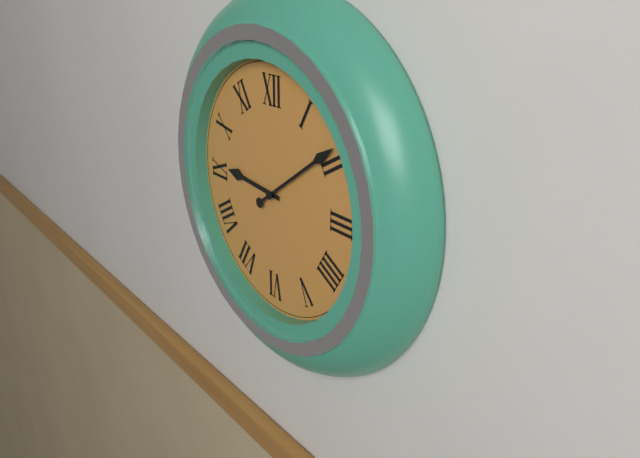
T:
**9:09**
